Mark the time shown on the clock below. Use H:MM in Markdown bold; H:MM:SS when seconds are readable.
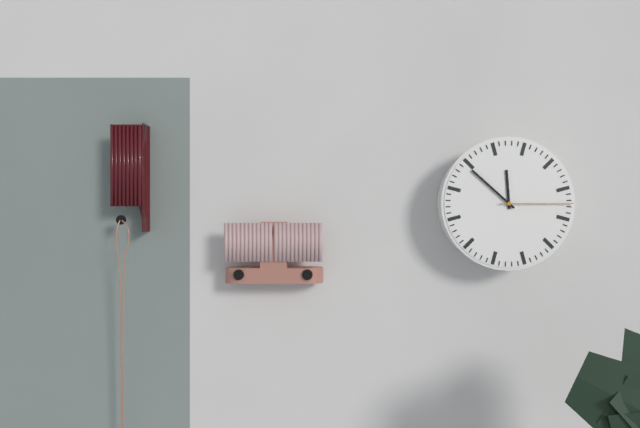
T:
**11:52:15**
